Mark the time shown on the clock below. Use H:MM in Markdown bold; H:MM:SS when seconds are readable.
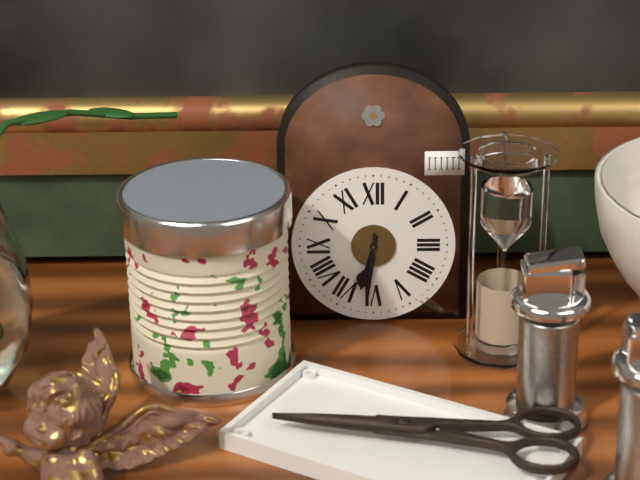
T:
**6:31**
